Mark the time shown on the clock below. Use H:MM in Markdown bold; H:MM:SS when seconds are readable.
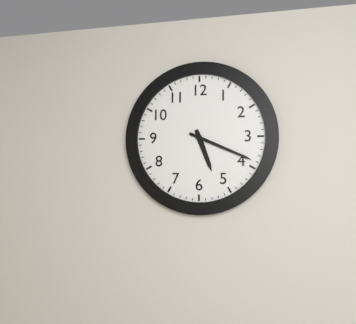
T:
**5:19**
